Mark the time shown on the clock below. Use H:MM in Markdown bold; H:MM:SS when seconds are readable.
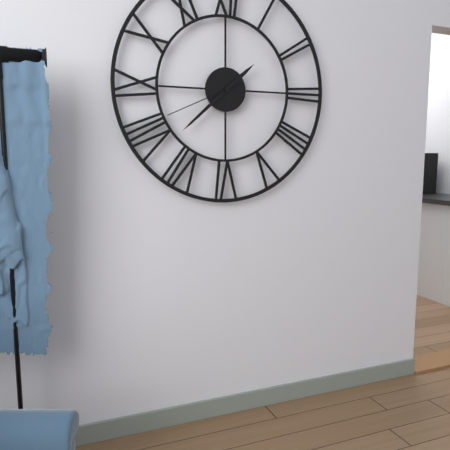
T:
**1:38:41**
